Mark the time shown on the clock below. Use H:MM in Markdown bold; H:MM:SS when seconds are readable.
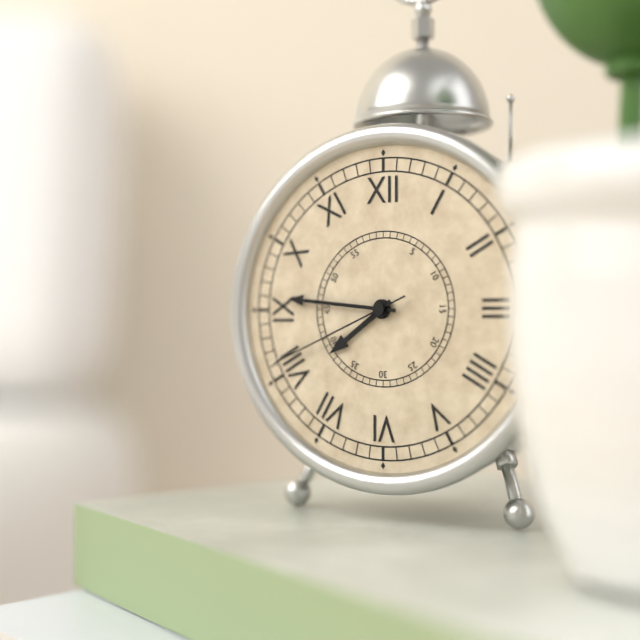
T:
**7:46:41**
